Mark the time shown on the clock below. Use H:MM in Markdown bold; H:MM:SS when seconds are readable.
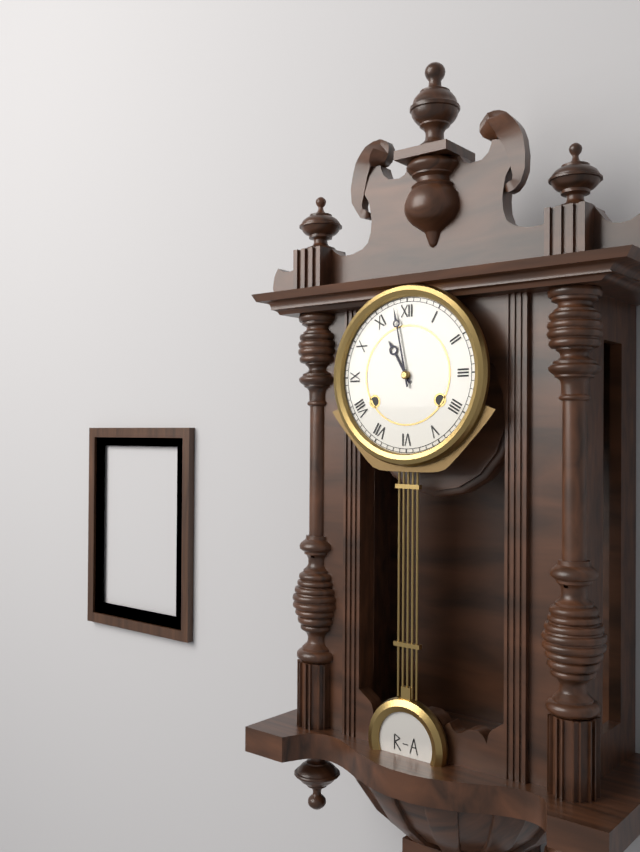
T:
**10:58**
